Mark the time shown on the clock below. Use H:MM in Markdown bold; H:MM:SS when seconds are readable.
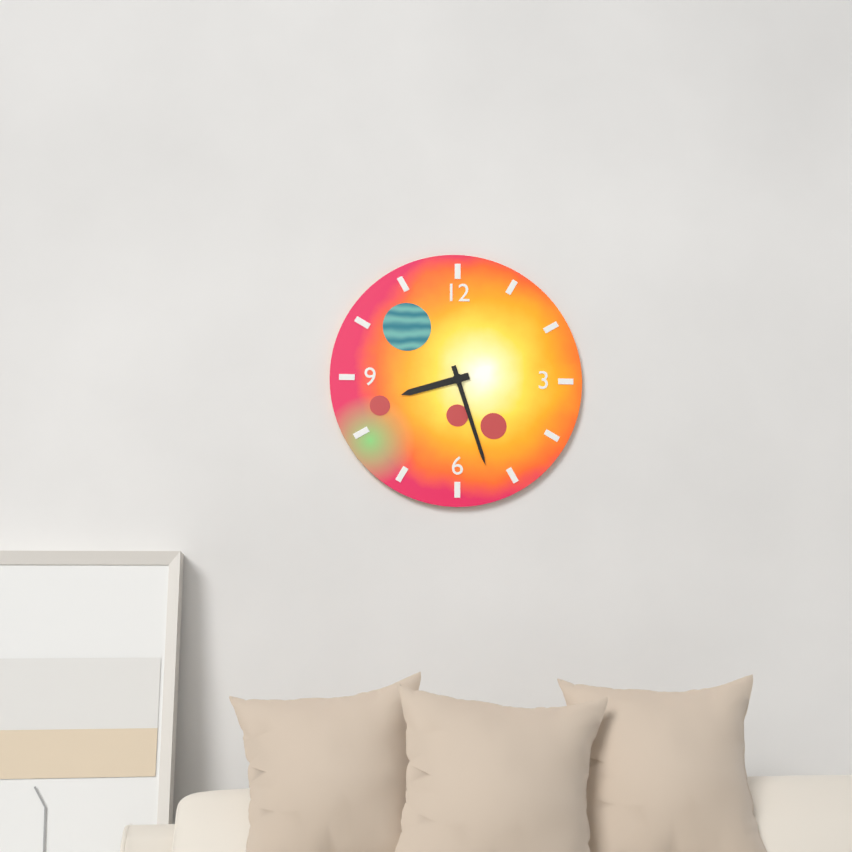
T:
**8:27**
